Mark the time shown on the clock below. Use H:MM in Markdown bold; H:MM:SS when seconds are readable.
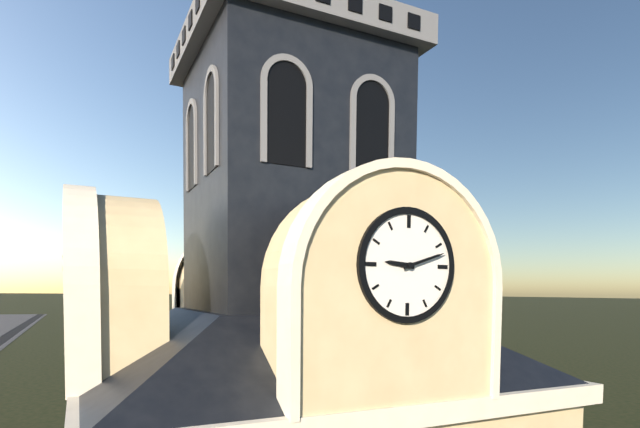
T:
**9:12**
